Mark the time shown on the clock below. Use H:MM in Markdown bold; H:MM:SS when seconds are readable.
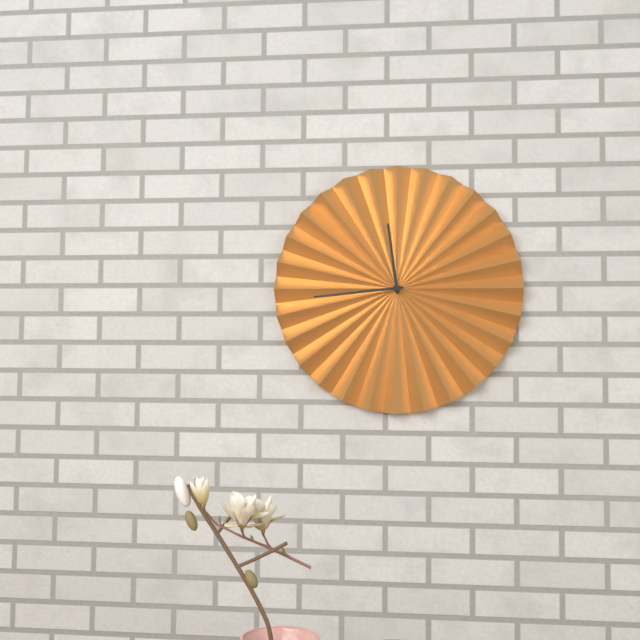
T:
**11:44**
